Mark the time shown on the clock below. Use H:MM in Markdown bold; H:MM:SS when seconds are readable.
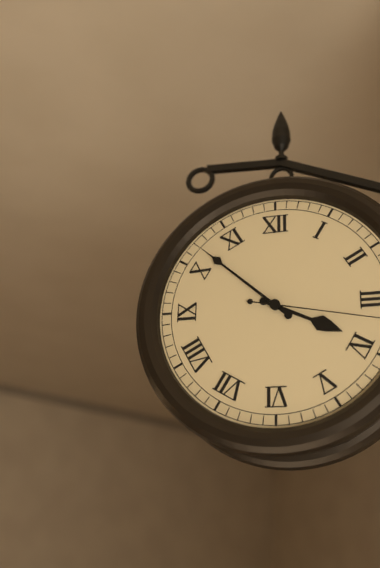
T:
**3:52**
